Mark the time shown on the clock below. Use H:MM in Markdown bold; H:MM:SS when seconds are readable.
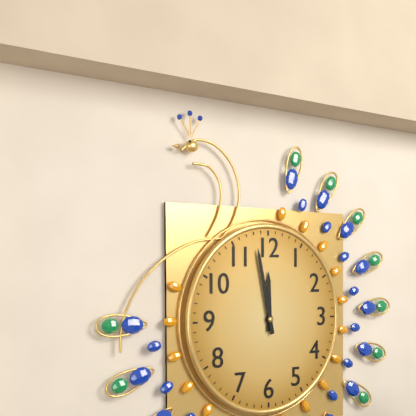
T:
**11:58**
